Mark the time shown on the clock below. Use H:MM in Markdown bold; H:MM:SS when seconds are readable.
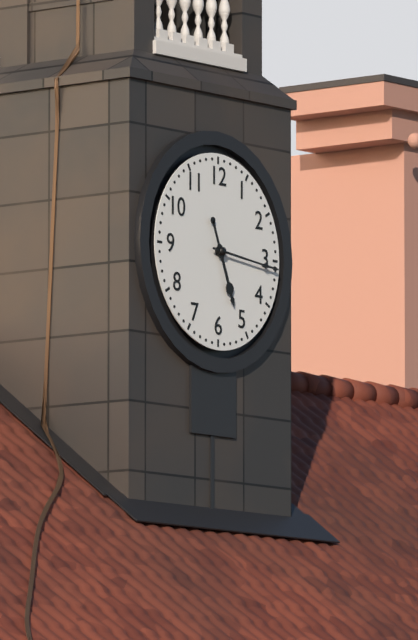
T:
**5:16**
